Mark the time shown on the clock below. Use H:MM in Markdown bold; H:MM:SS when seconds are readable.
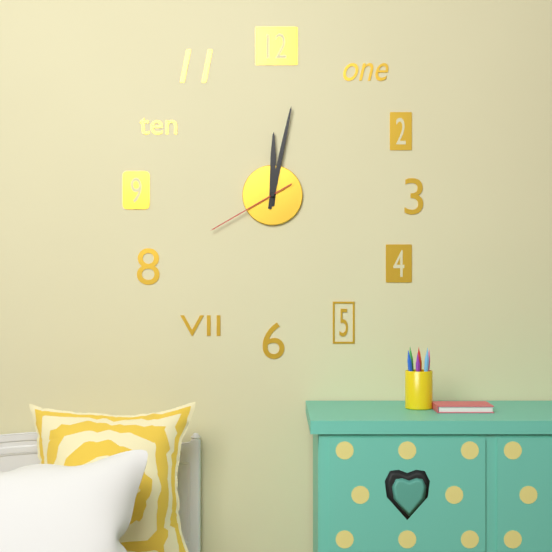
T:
**12:02:40**
